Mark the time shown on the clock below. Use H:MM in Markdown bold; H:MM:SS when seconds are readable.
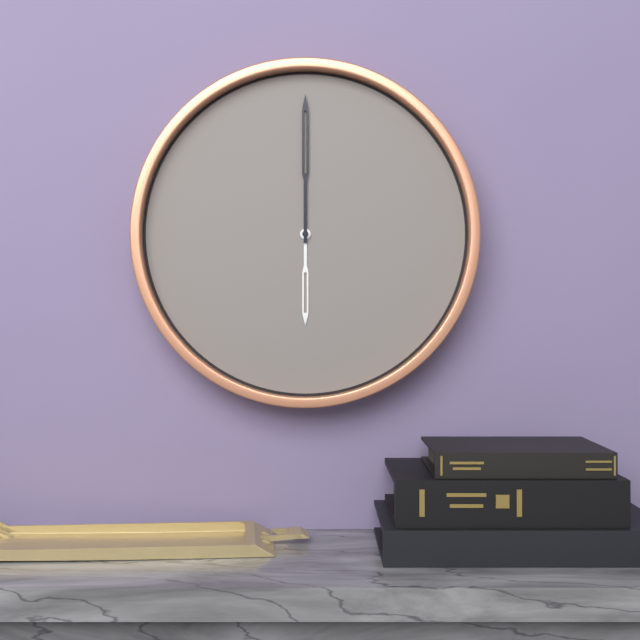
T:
**6:00**
